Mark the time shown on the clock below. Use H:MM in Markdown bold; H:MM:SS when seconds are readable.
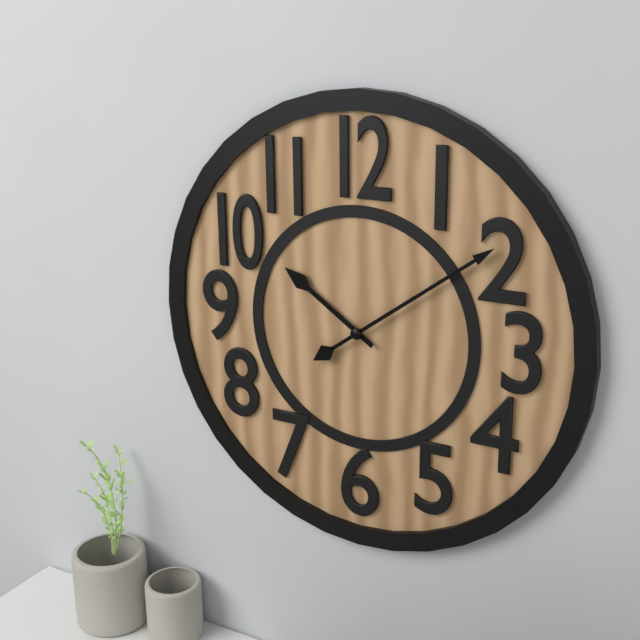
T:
**10:09**
